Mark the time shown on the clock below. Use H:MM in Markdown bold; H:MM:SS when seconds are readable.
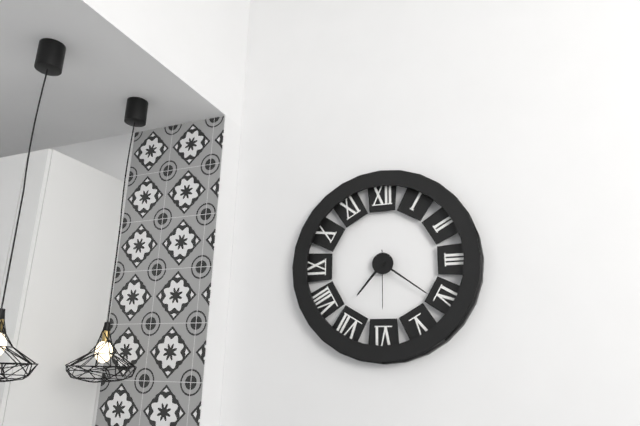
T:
**7:21:30**
